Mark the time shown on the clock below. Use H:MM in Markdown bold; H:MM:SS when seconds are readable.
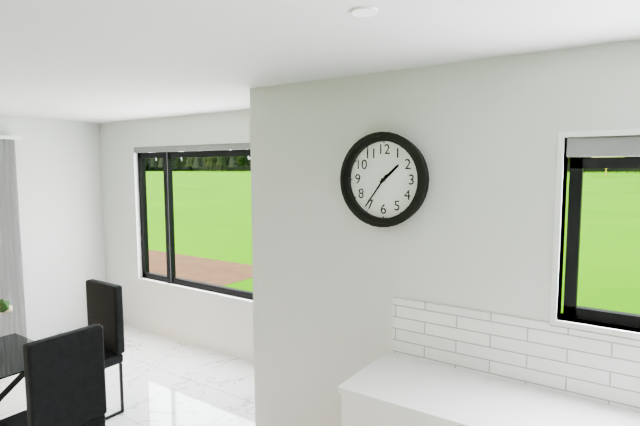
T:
**1:36**
